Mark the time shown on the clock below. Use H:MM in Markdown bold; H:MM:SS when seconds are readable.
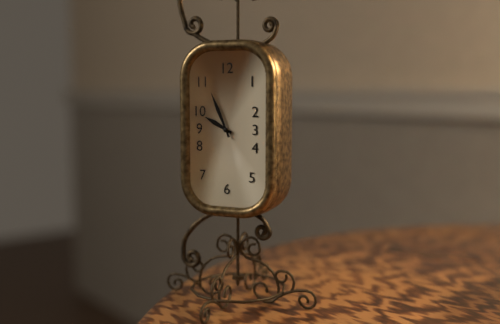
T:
**9:56**
